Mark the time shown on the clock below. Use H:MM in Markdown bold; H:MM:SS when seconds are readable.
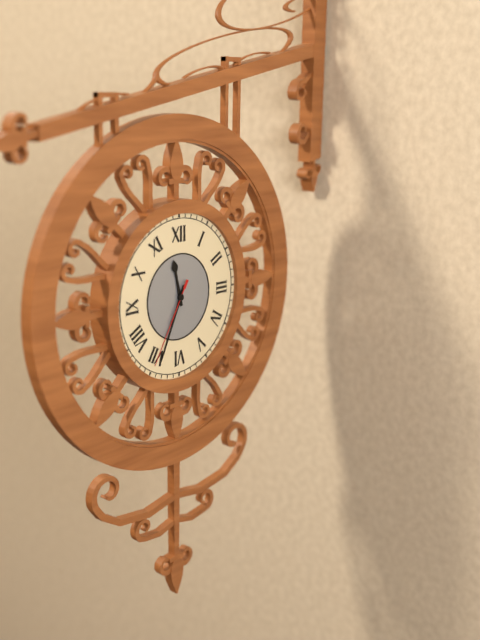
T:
**11:34:35**
